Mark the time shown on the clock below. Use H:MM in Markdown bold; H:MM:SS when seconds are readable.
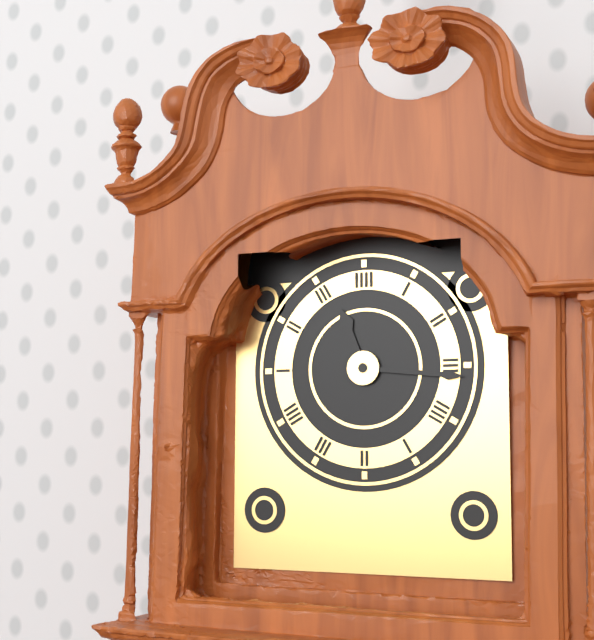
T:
**11:16**
